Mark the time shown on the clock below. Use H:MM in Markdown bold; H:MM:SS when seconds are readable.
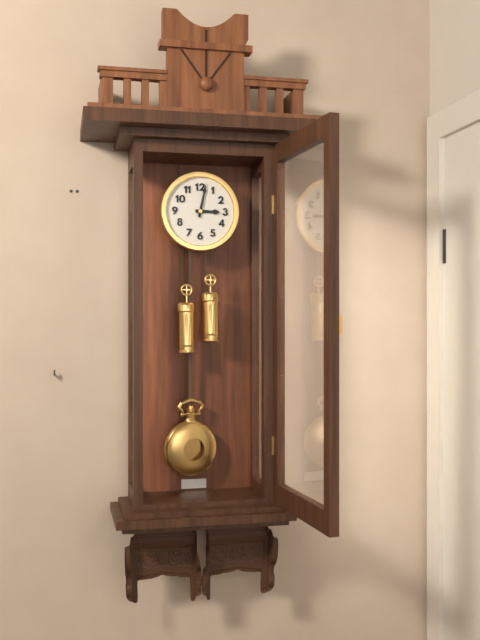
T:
**3:02**
